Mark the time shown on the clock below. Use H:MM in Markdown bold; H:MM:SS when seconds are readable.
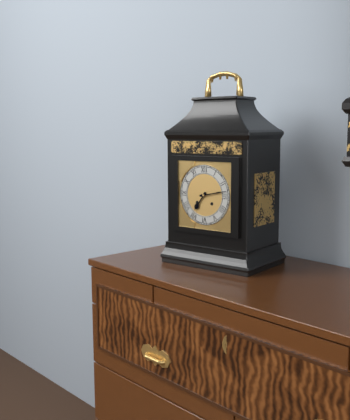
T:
**7:13**
